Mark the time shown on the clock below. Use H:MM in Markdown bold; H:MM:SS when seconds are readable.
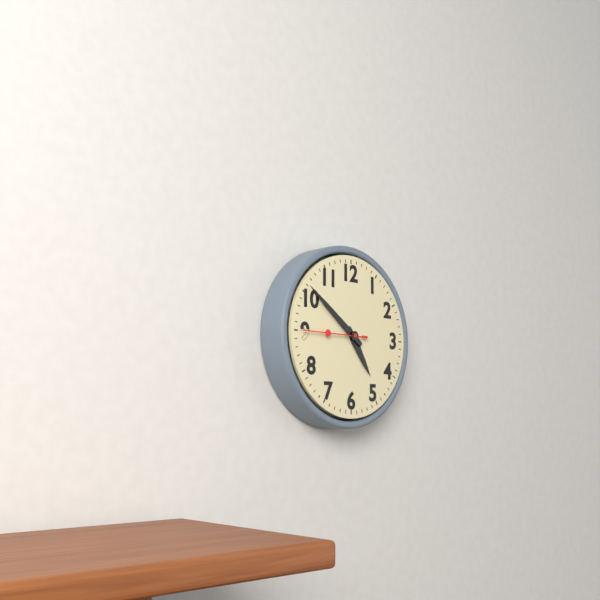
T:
**4:51:45**
